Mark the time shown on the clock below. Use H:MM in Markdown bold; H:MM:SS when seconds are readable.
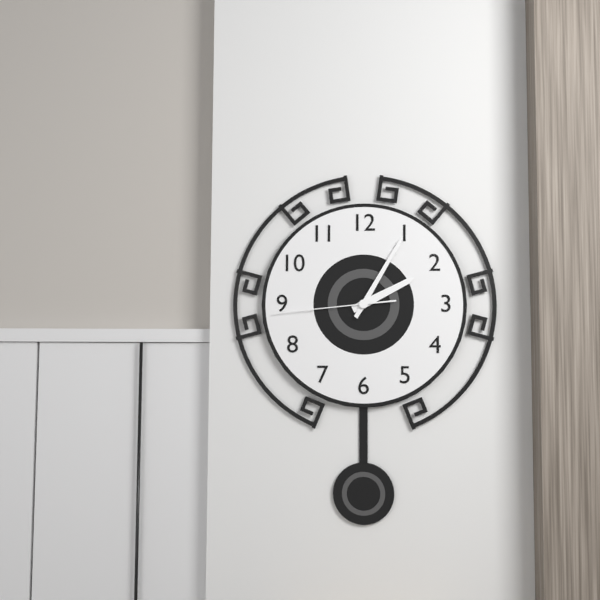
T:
**2:05:44**
